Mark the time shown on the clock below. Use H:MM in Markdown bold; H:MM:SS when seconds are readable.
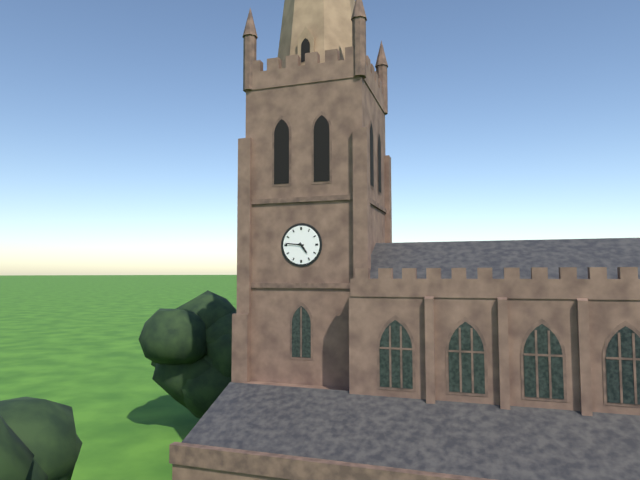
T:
**4:46**
